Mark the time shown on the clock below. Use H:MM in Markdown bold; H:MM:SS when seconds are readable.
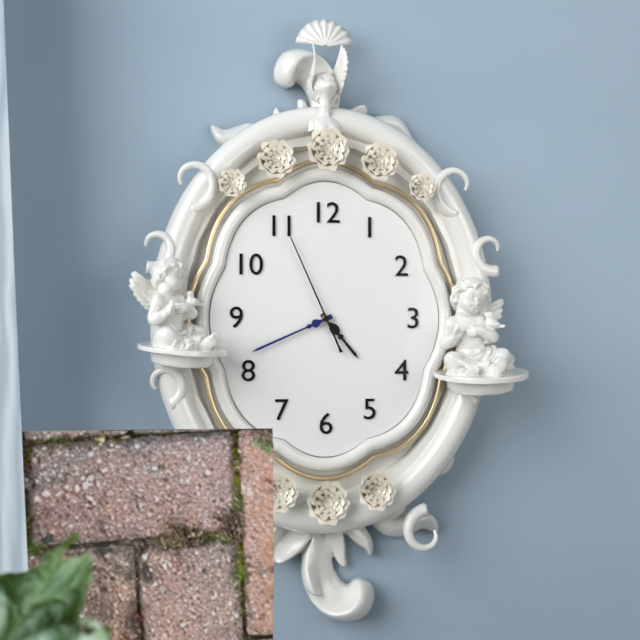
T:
**4:41:56**
